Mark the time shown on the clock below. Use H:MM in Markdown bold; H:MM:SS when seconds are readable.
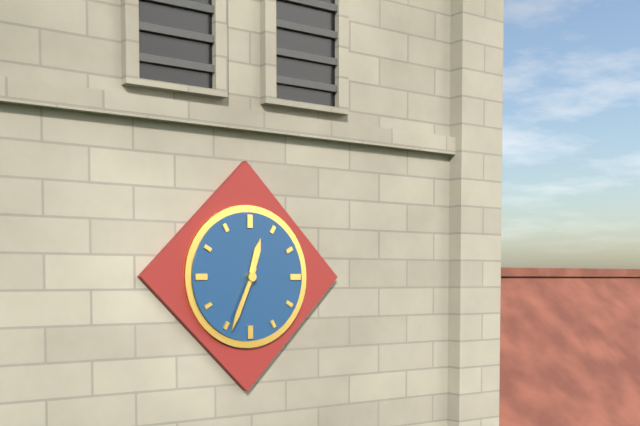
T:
**12:34**
